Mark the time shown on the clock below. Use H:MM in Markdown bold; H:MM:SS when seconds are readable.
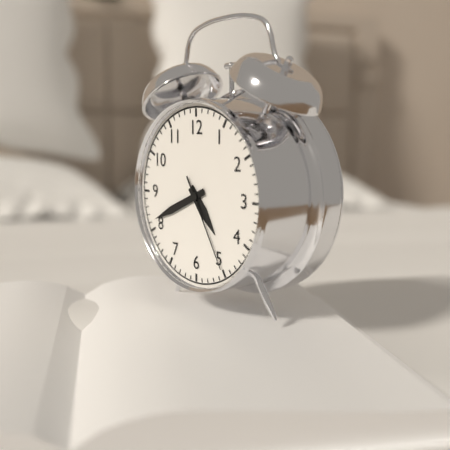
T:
**4:41:25**
